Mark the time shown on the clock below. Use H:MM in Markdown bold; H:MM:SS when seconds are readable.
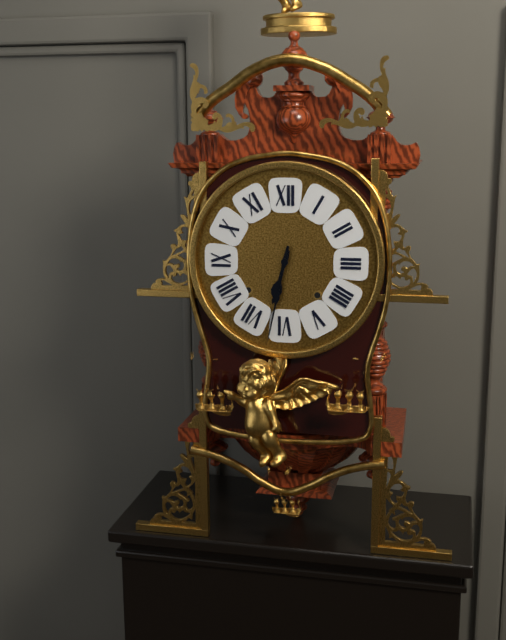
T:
**6:32**
